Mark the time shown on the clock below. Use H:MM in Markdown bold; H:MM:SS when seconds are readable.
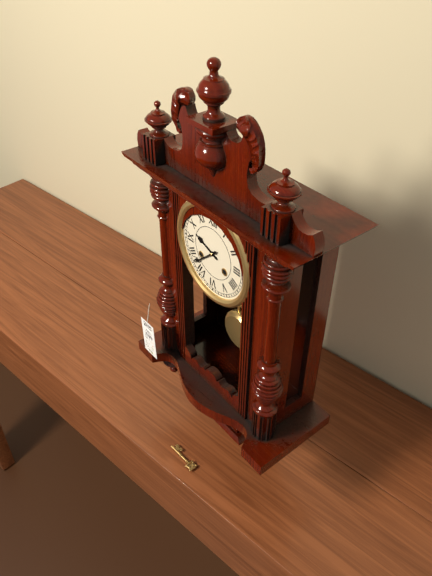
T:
**9:38**
